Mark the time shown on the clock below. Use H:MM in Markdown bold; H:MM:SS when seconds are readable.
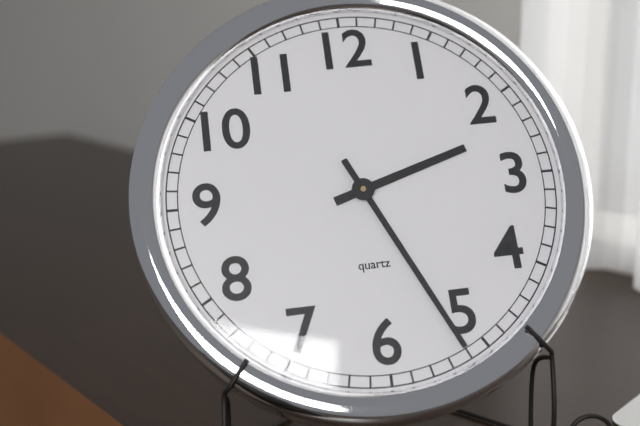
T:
**2:26**
